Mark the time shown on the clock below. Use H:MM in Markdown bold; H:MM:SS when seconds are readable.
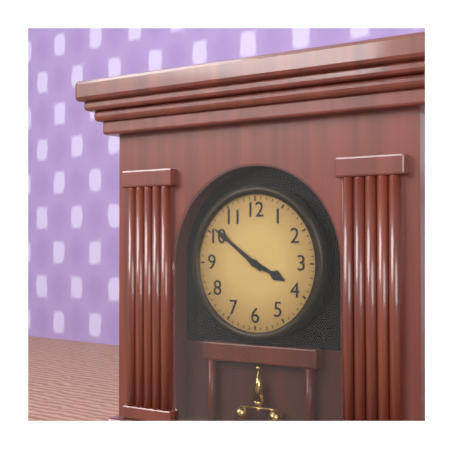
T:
**3:51**
